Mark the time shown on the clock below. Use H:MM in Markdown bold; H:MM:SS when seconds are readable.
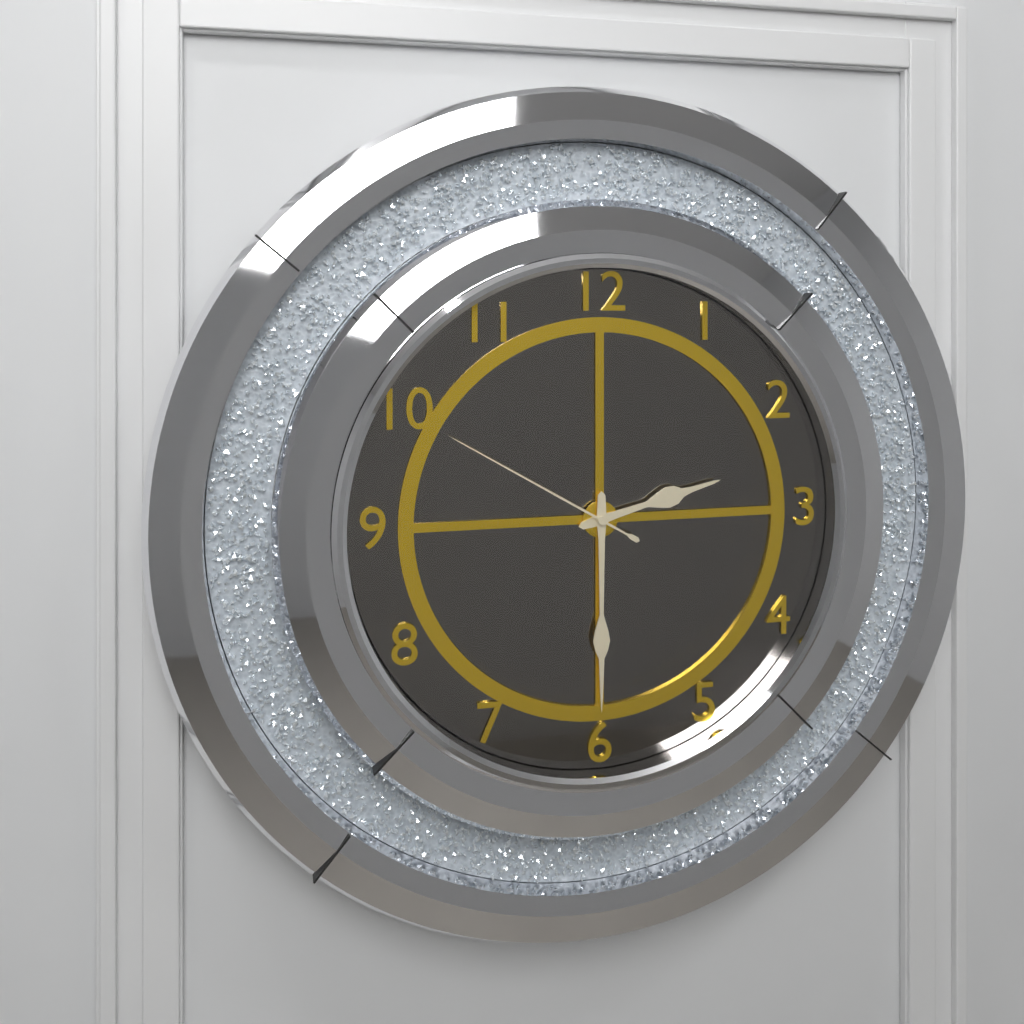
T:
**2:30:50**
